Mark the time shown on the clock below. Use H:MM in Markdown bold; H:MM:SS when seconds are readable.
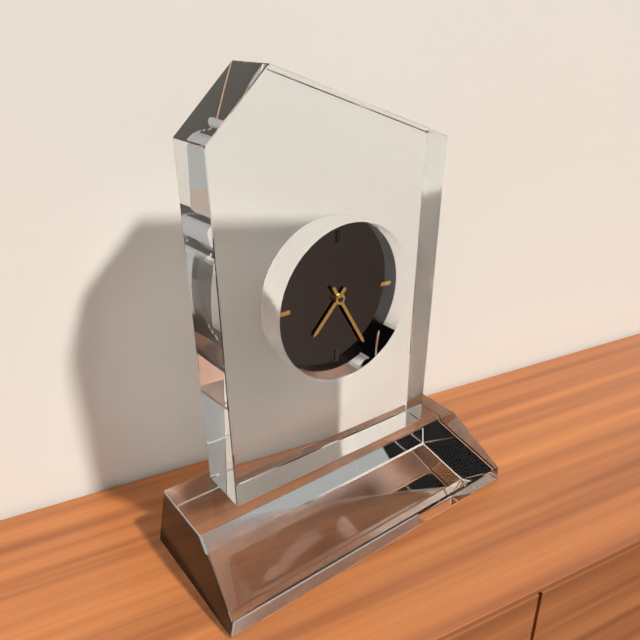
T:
**7:25**
